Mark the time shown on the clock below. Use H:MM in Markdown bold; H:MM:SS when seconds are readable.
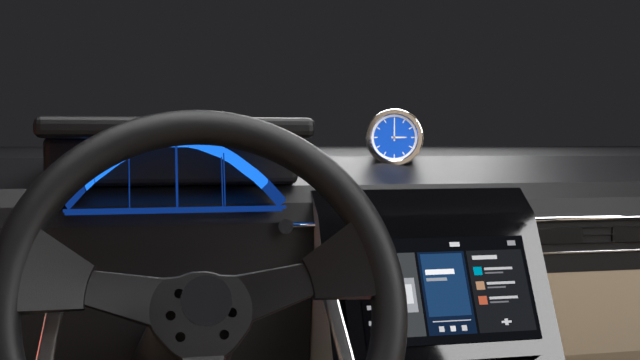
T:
**3:00**
